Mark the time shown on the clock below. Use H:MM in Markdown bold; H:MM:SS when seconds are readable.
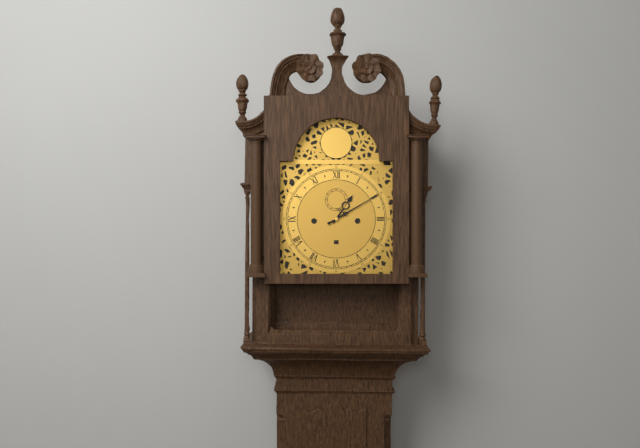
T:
**1:10**
